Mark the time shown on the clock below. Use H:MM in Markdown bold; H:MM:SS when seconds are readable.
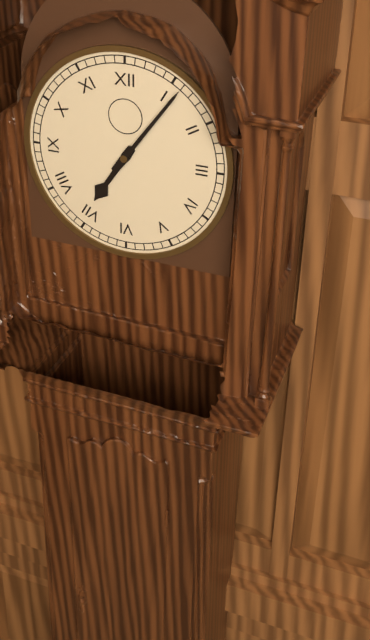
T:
**7:06**
